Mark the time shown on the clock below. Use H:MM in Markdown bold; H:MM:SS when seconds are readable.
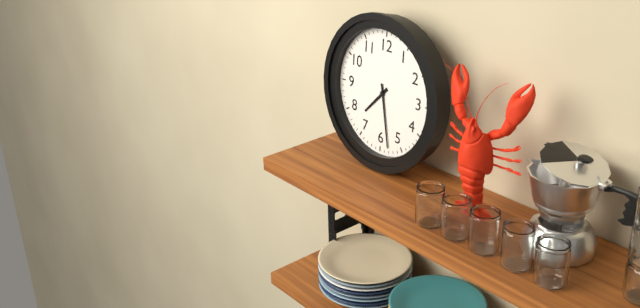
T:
**7:28**
